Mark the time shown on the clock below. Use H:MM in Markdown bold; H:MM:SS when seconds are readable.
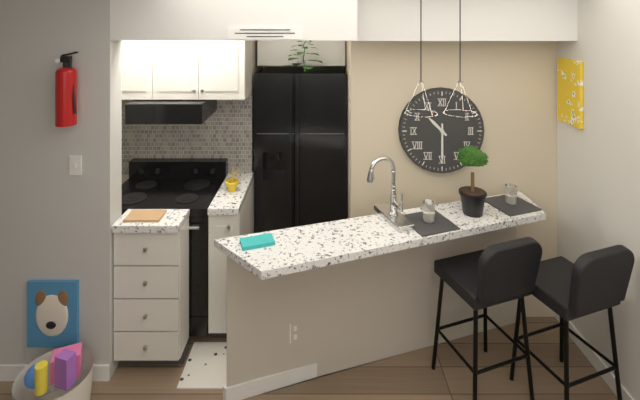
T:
**10:30**
